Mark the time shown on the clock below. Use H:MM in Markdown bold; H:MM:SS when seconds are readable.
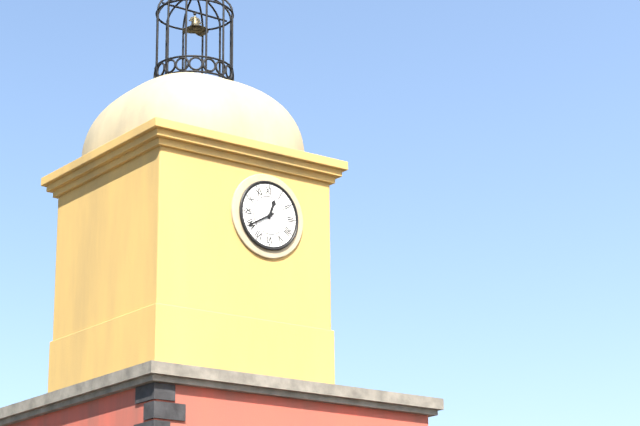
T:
**12:40**
